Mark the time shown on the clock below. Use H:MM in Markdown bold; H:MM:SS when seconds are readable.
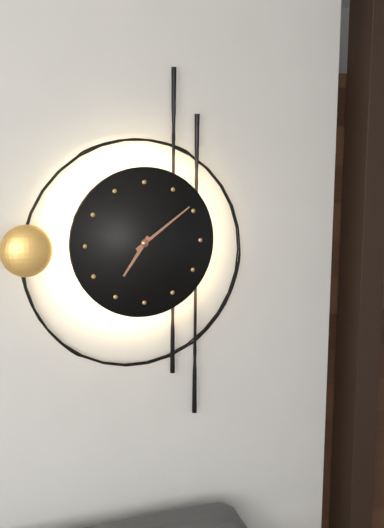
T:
**7:09**
